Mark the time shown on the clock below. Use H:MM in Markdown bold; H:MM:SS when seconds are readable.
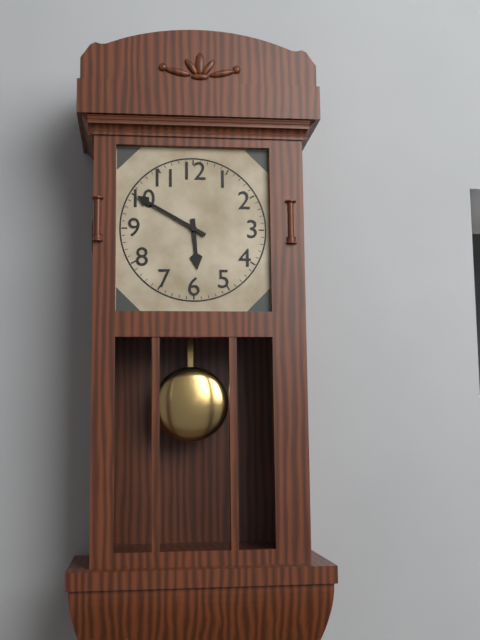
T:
**5:50**
